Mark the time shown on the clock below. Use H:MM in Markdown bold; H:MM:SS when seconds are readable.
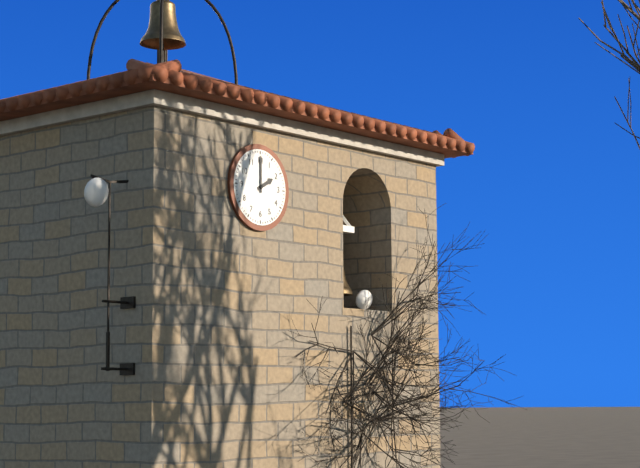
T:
**2:00**
